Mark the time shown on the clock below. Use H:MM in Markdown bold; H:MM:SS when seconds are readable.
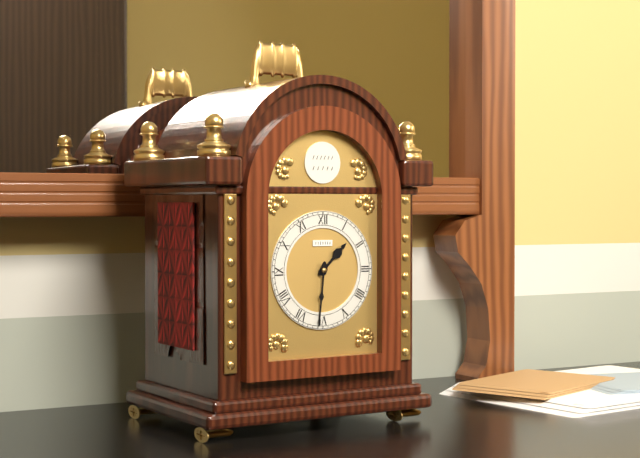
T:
**1:31**
